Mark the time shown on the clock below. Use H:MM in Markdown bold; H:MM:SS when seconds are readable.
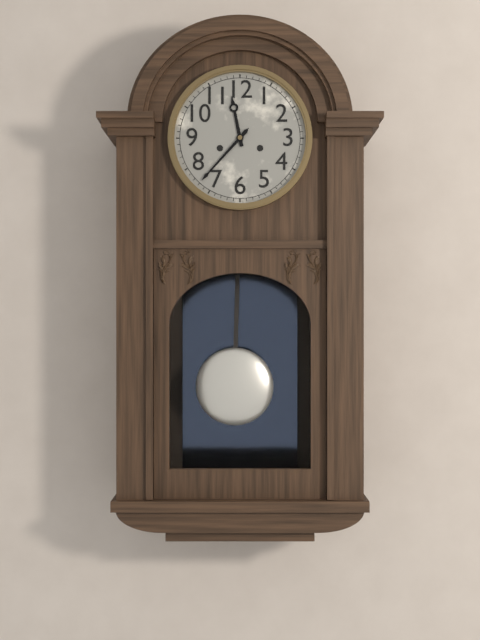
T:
**11:37**
